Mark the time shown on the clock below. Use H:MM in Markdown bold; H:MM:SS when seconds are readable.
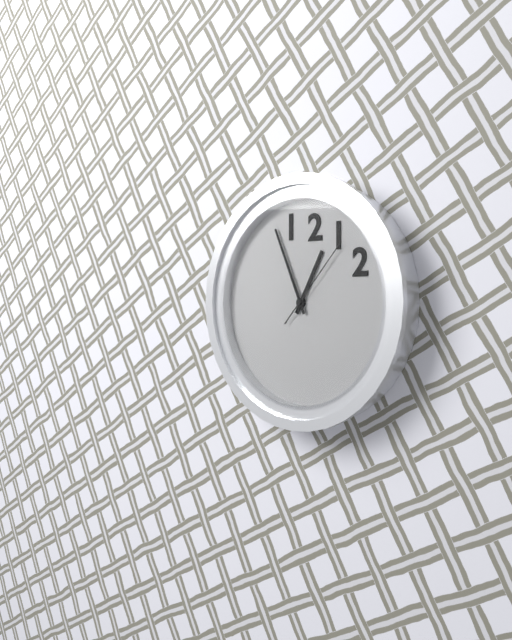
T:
**12:56:07**
